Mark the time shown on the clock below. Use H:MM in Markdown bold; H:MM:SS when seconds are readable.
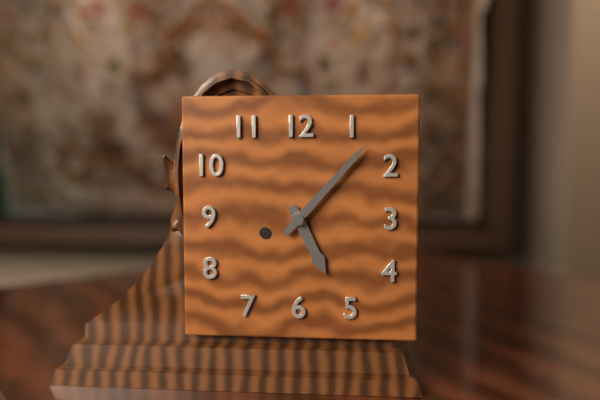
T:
**5:07**
